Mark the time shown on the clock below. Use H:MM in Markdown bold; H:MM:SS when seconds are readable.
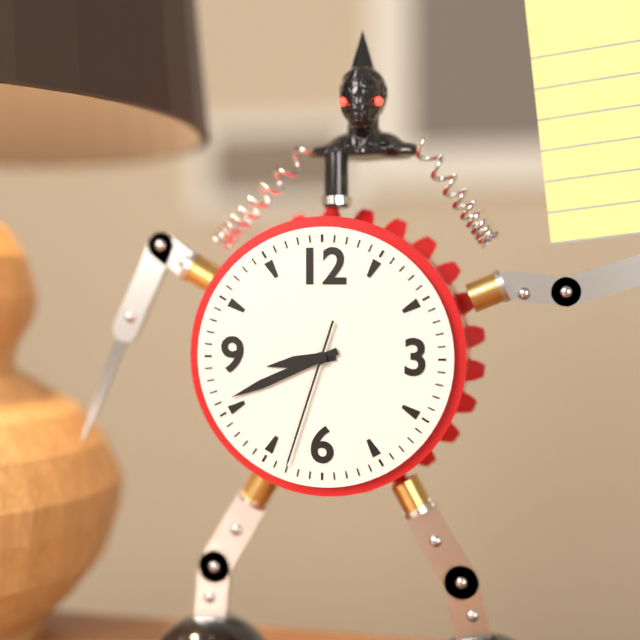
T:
**8:41:33**
